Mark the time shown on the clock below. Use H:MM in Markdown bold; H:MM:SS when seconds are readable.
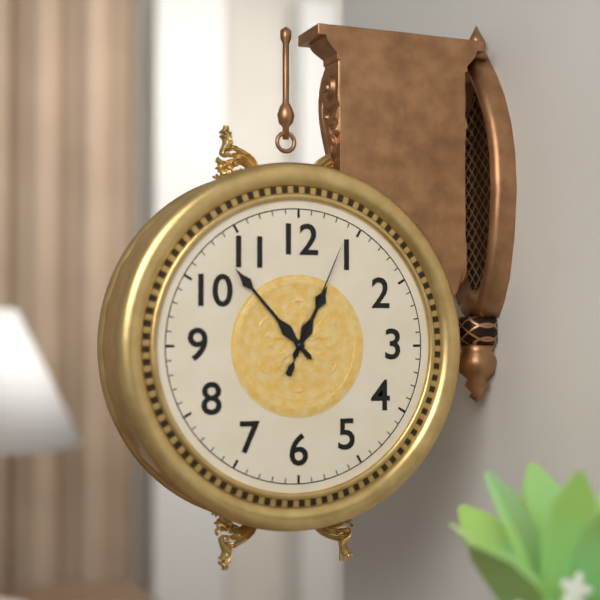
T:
**12:53:04**
